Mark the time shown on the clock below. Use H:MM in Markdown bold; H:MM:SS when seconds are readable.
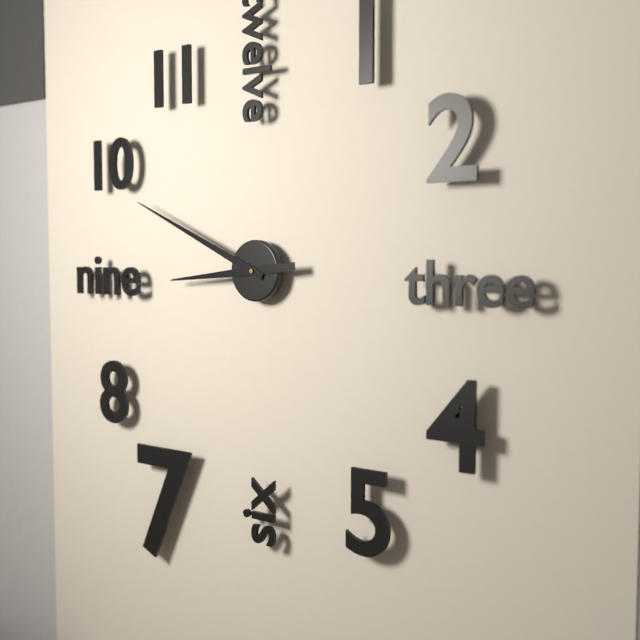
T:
**8:49**
